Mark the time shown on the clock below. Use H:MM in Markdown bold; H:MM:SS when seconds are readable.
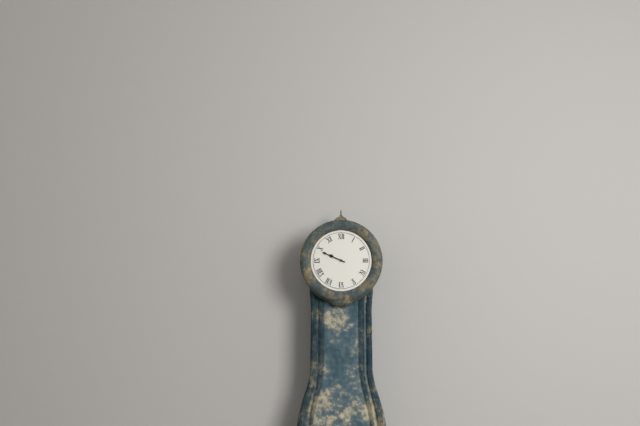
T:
**9:49**
